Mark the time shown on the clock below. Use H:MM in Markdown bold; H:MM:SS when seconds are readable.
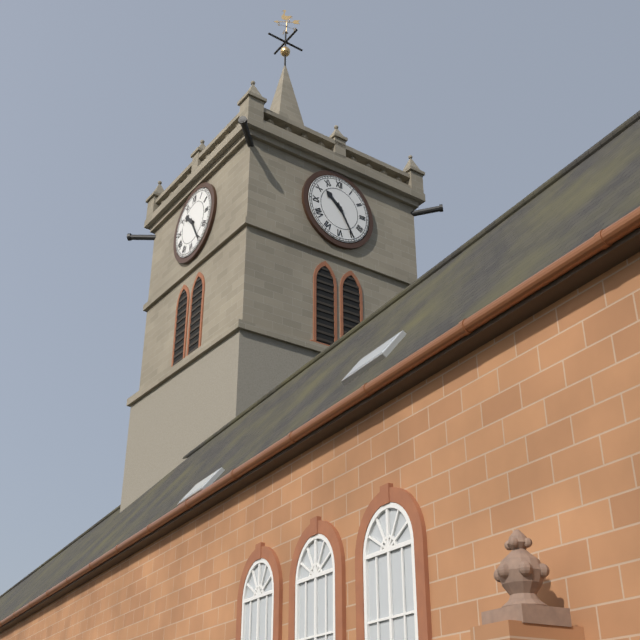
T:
**10:25**
